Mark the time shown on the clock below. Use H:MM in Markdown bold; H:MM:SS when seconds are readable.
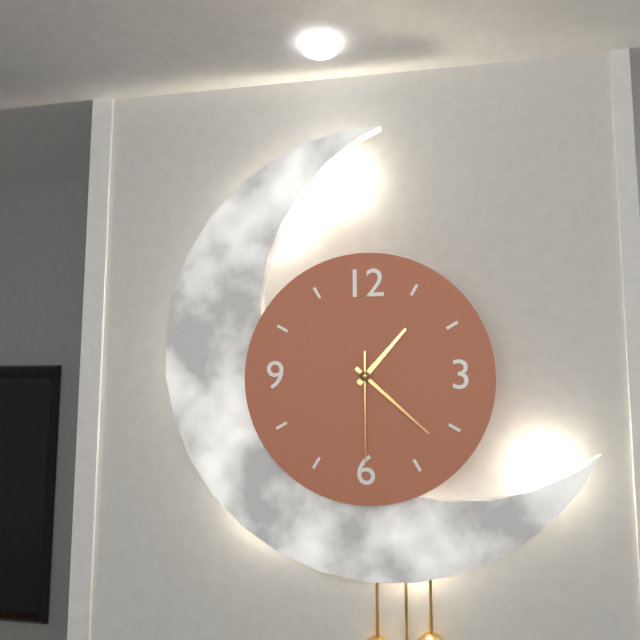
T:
**1:22:30**
